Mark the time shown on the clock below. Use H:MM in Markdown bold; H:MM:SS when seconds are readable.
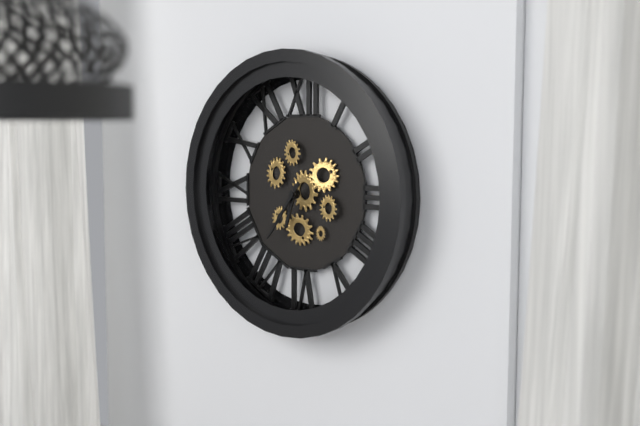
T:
**6:36**
